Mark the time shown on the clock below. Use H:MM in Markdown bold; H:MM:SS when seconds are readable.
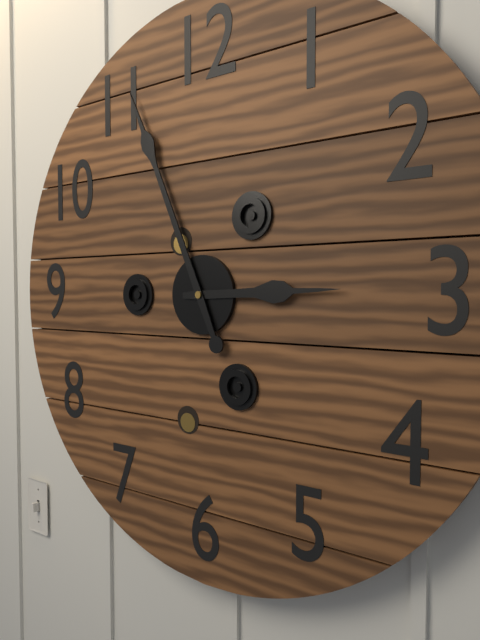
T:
**2:56**
